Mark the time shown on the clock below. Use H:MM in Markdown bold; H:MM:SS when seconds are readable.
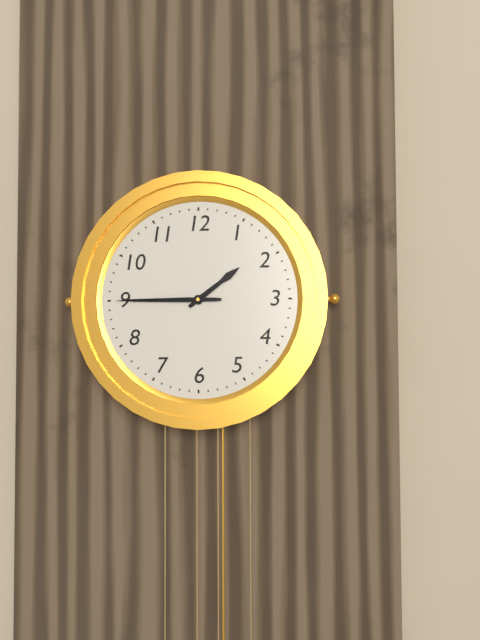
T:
**1:45**
